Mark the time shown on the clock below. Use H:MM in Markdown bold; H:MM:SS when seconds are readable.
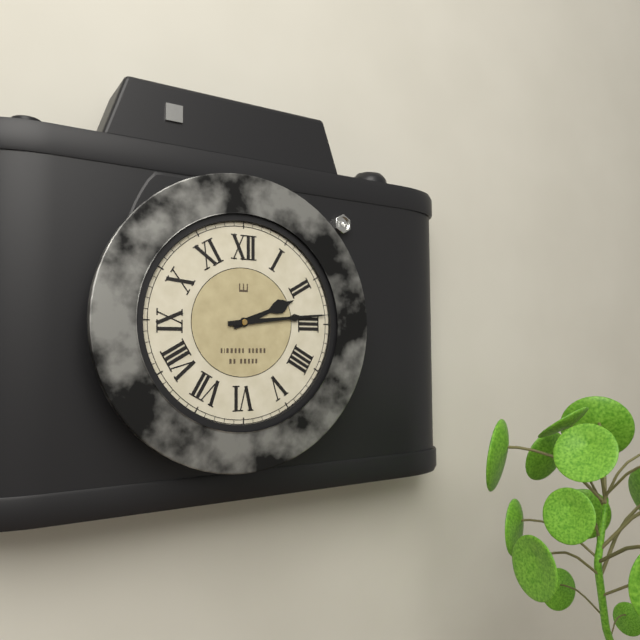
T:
**2:14**
